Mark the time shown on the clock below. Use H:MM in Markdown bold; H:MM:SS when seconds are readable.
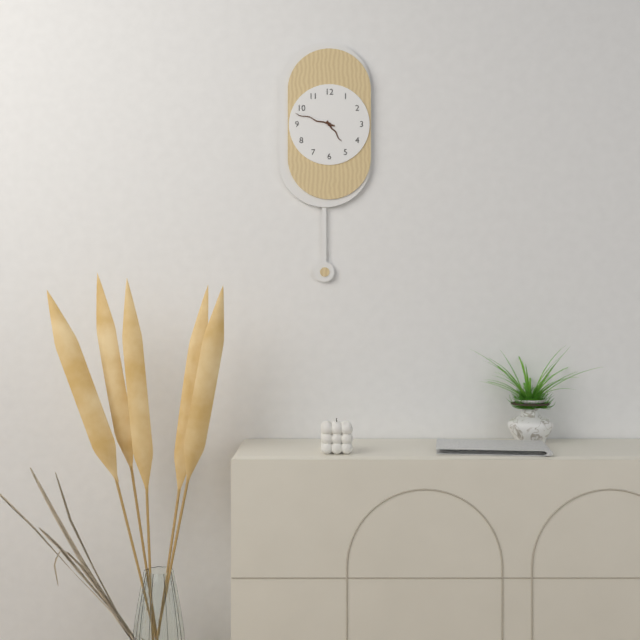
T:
**4:48**
